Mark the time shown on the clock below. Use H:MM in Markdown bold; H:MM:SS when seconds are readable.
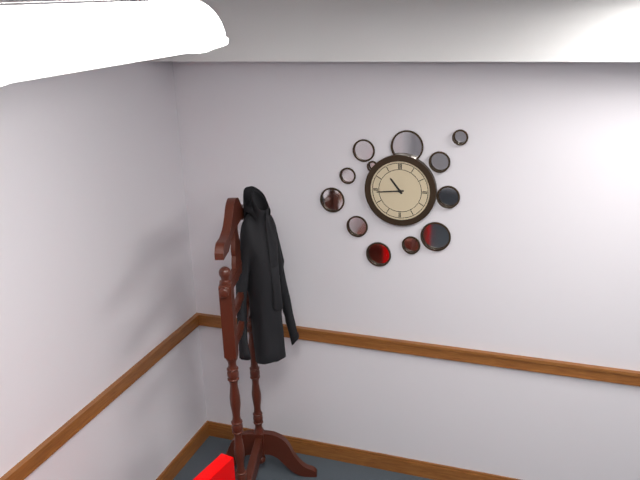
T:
**10:44**
